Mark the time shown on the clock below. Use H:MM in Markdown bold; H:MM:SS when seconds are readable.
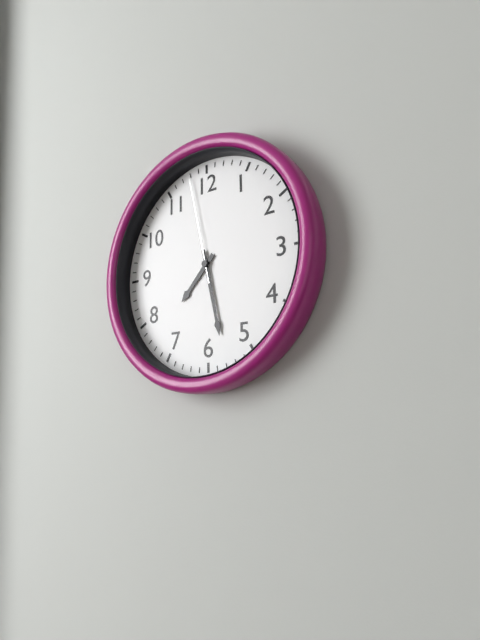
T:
**7:28:58**
